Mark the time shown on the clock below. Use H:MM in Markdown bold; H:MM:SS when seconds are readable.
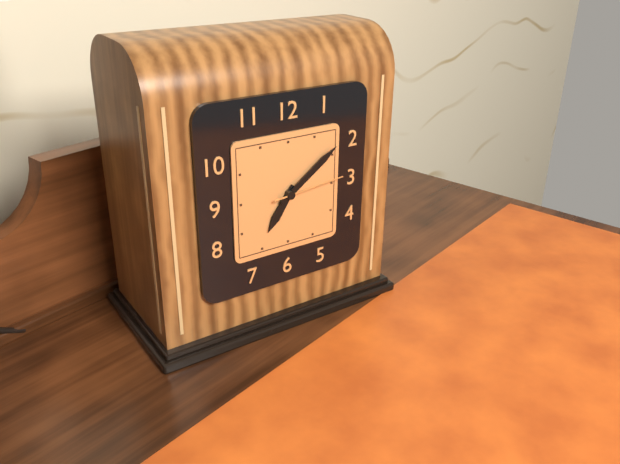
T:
**7:09:14**
